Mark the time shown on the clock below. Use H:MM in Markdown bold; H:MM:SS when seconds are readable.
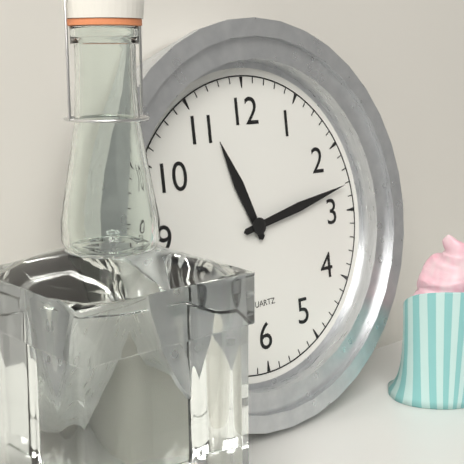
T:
**11:13**
